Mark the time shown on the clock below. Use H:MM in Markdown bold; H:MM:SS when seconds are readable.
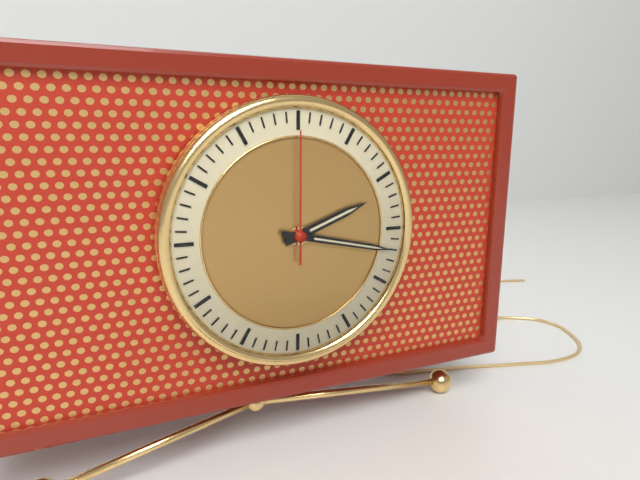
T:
**2:17:00**
